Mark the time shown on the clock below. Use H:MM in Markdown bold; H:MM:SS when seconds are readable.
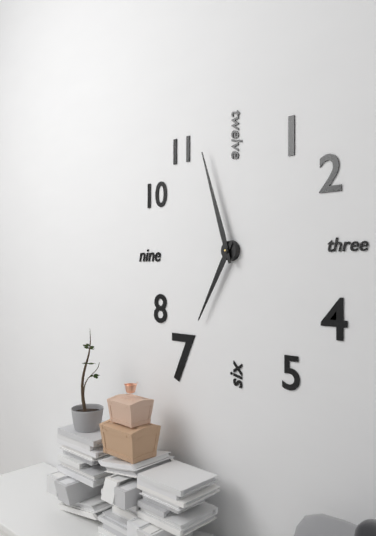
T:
**6:57**
